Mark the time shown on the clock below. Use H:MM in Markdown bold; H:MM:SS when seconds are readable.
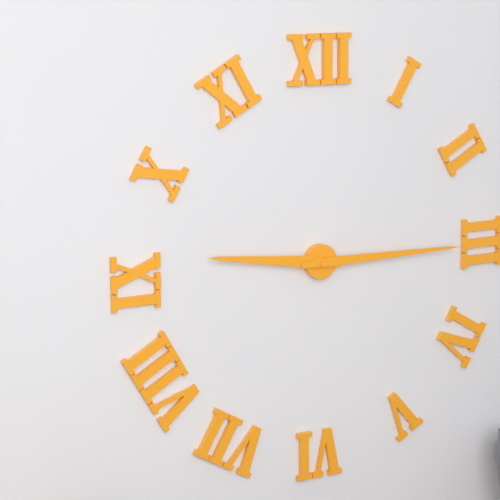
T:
**9:15**
